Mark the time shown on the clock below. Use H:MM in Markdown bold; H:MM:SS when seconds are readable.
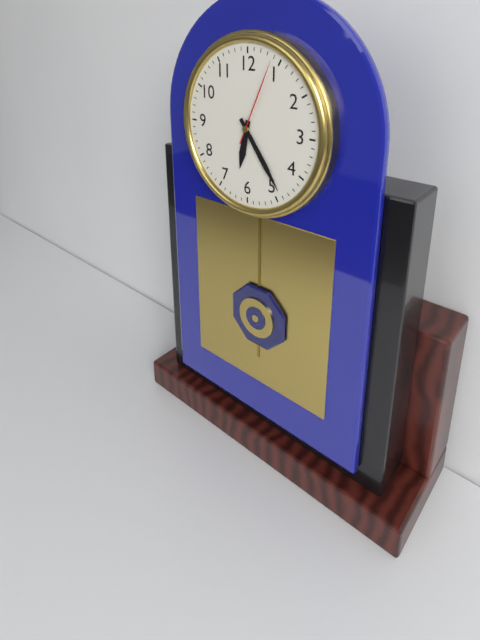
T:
**6:24:04**
